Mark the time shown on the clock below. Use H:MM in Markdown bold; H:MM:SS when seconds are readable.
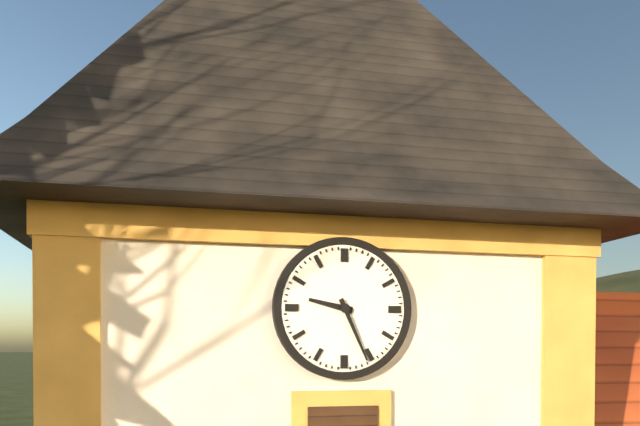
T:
**9:26**
